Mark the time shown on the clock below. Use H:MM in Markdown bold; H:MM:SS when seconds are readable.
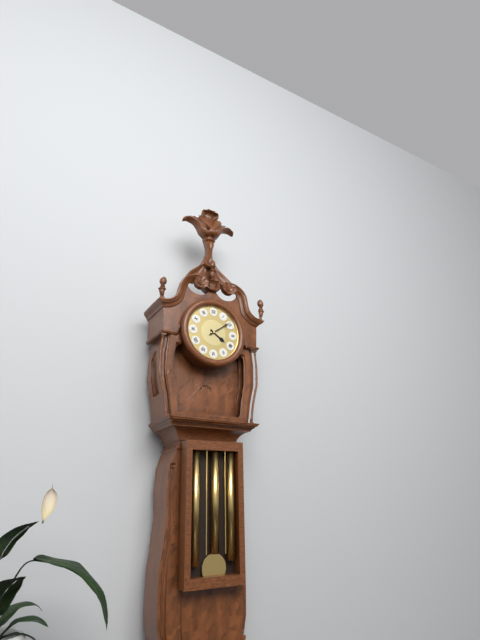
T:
**4:09**
